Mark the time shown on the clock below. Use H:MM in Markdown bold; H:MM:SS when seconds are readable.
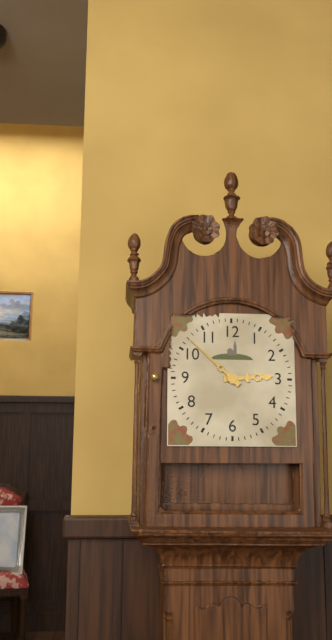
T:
**2:52**
